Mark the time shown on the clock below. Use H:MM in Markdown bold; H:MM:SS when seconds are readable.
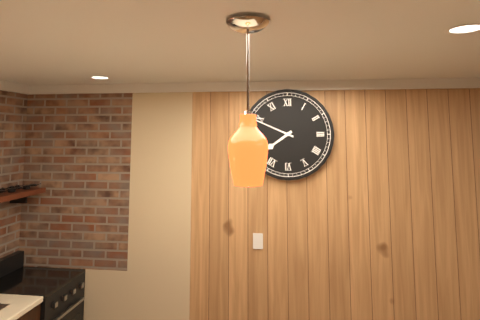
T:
**7:49**
